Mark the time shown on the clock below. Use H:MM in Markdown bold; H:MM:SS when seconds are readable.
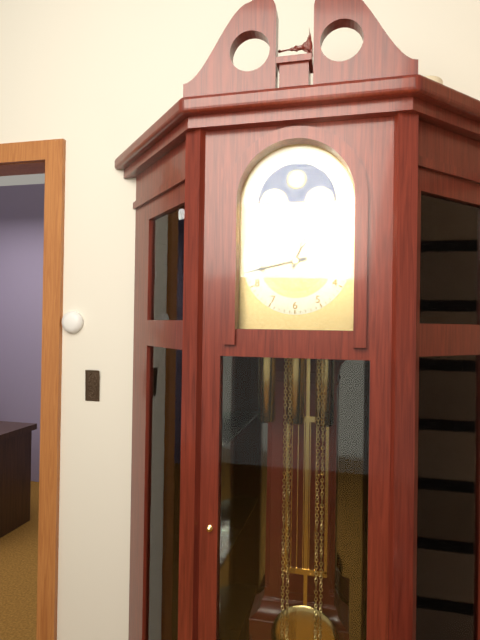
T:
**12:43**
